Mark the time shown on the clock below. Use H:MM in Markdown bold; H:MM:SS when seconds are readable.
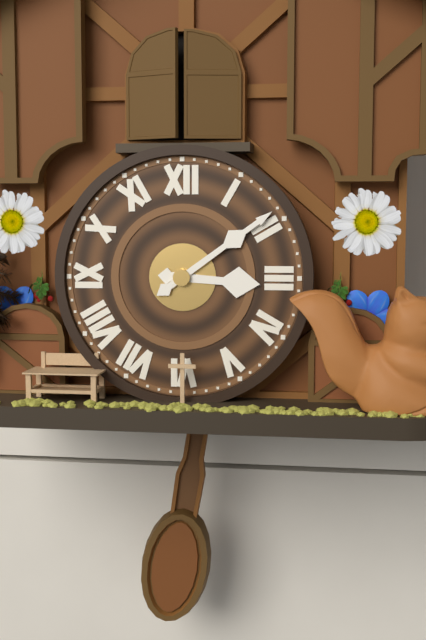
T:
**3:09**
